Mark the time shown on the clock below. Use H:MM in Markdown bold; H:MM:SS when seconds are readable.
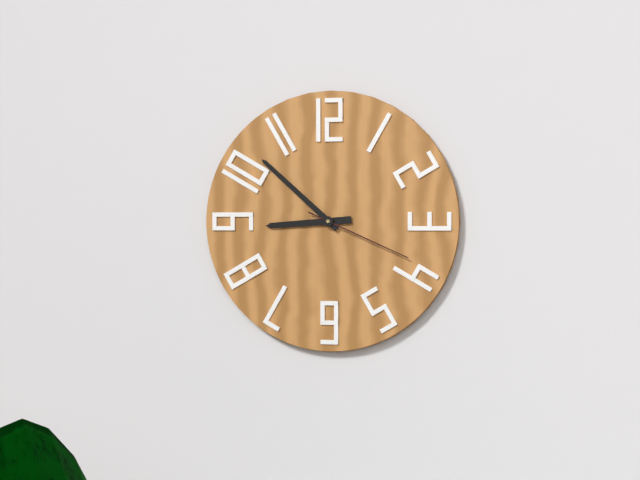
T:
**8:52:19**
